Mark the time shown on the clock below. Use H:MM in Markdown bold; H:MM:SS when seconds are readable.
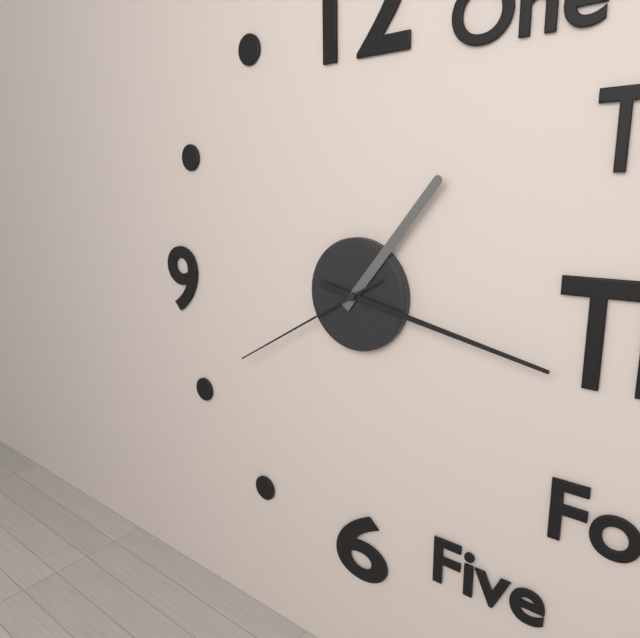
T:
**1:17:40**
